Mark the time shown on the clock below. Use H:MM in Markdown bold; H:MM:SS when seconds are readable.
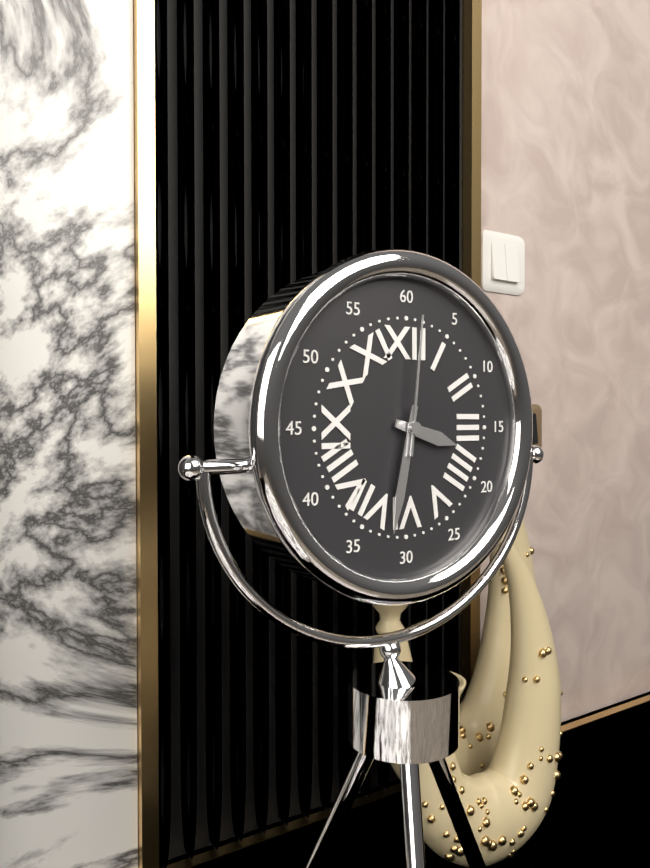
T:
**3:32:01**
